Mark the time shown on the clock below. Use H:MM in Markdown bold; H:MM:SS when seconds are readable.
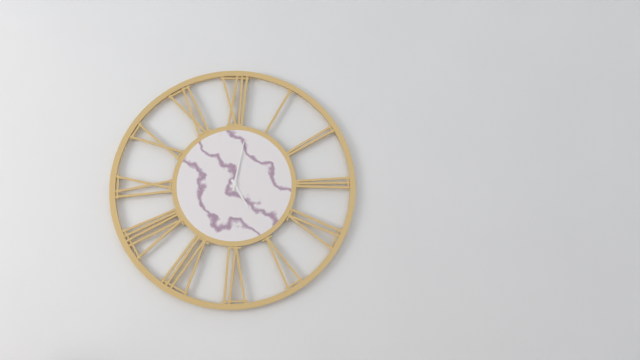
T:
**5:02**
